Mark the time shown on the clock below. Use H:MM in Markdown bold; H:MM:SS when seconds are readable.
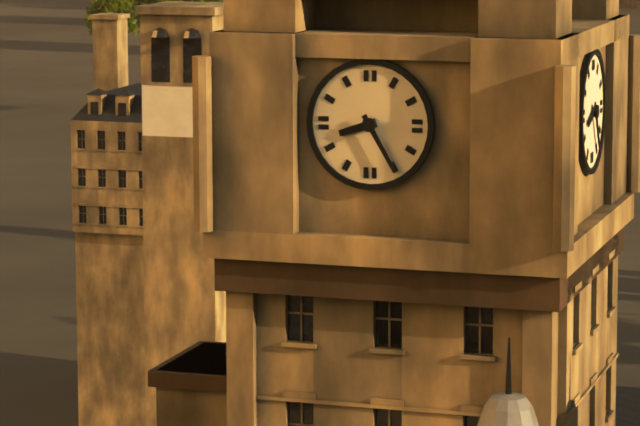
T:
**8:25**
